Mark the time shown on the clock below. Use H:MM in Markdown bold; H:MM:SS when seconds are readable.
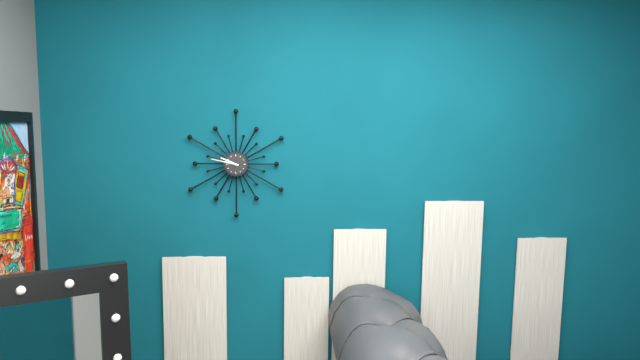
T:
**9:47**
